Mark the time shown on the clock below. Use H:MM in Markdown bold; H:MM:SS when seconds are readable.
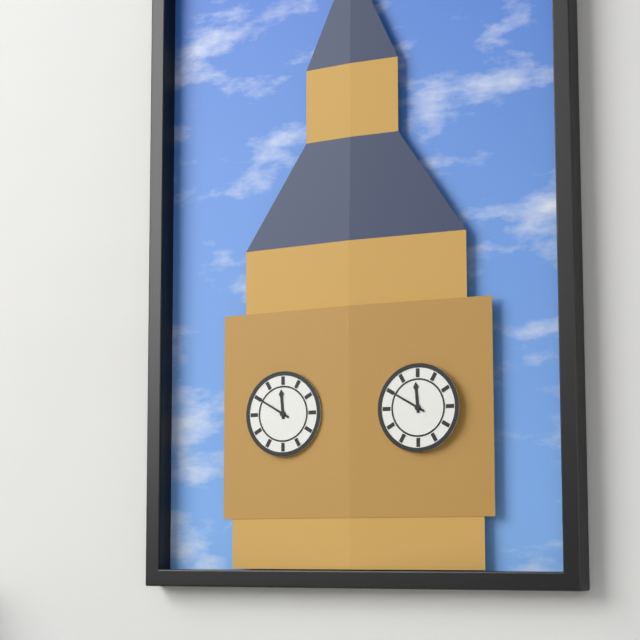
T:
**11:50**
